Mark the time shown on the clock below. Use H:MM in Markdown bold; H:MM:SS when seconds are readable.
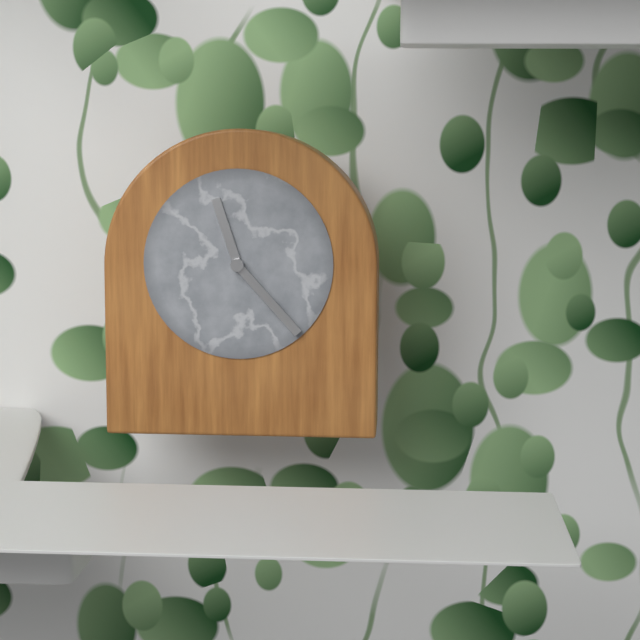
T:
**11:23**
